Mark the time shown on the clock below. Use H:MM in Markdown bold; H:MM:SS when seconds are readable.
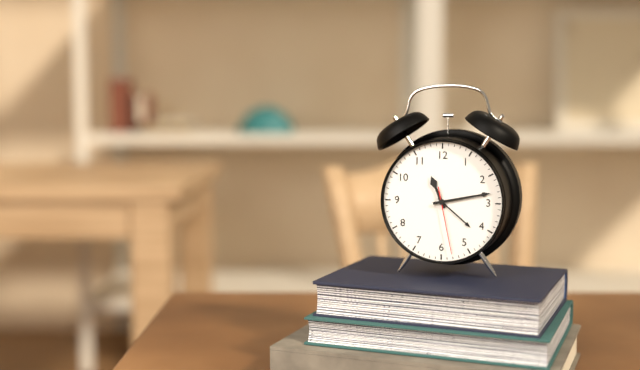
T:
**11:13:28**
